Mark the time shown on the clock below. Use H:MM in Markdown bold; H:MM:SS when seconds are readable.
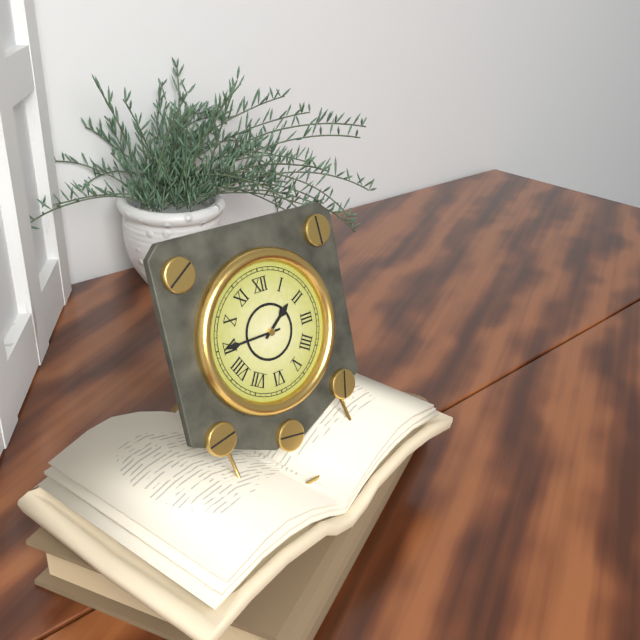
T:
**1:45**
